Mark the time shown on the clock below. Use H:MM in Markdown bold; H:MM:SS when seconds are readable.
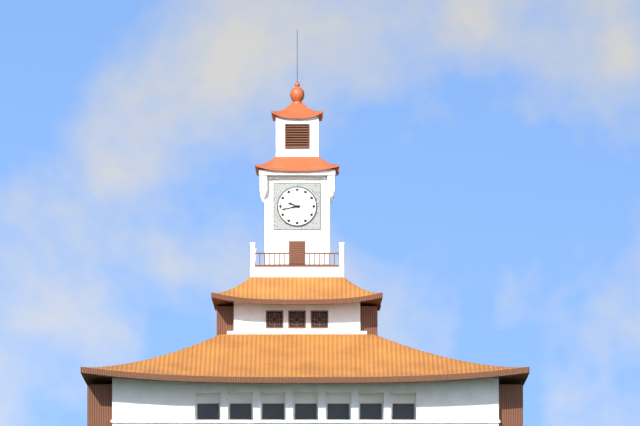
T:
**9:43**
